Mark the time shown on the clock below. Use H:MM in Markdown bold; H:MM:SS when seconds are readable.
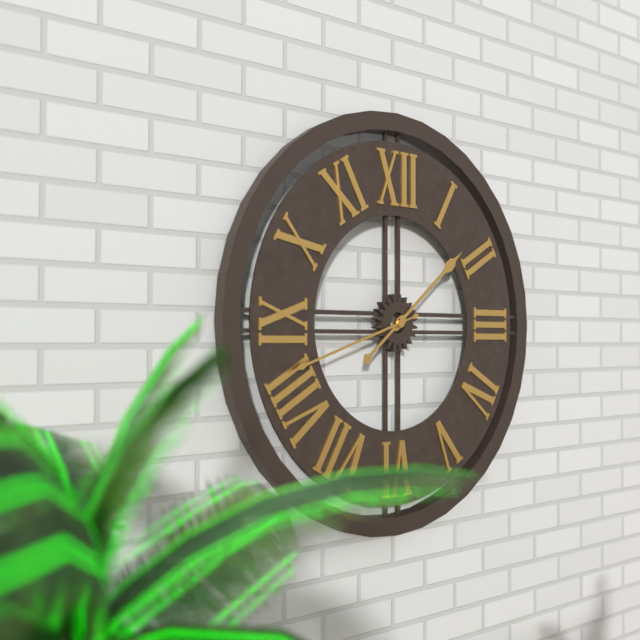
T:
**1:42**
